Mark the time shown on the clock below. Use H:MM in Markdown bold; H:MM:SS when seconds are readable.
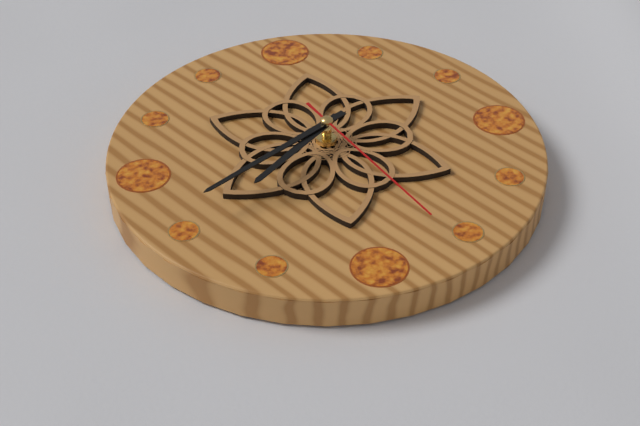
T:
**7:40:27**
